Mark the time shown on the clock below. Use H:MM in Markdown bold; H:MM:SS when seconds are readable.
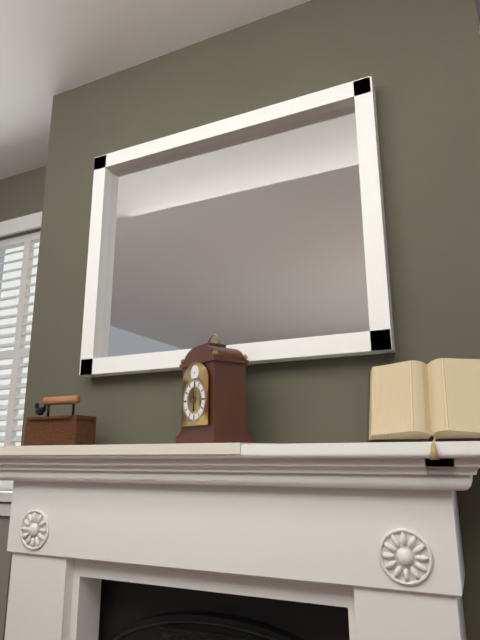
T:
**6:01**
